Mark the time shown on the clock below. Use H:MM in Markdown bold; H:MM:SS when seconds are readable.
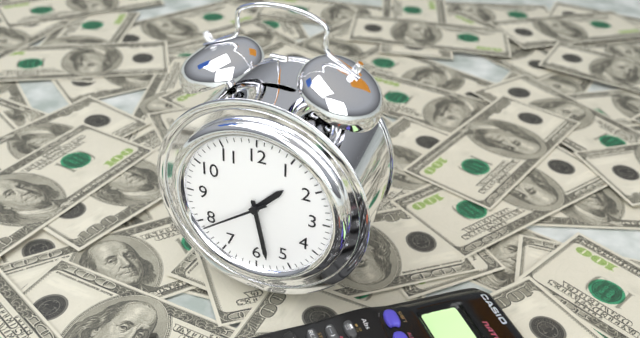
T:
**1:28:39**
